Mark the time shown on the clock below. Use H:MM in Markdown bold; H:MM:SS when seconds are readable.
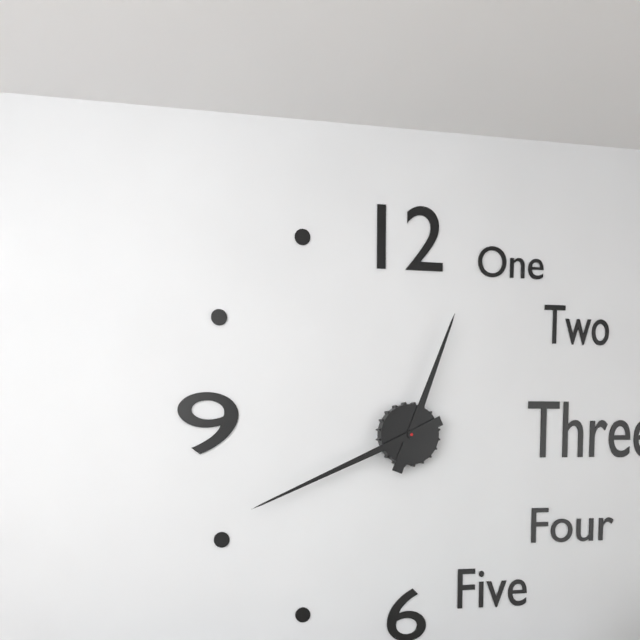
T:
**12:41**
